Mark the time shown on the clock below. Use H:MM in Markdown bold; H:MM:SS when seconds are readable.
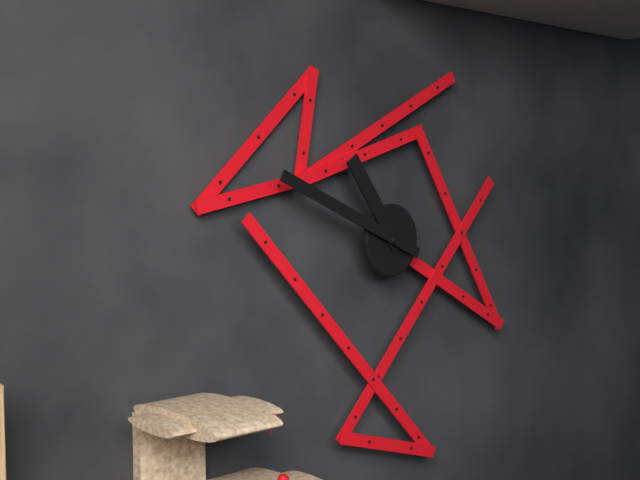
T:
**10:49**
